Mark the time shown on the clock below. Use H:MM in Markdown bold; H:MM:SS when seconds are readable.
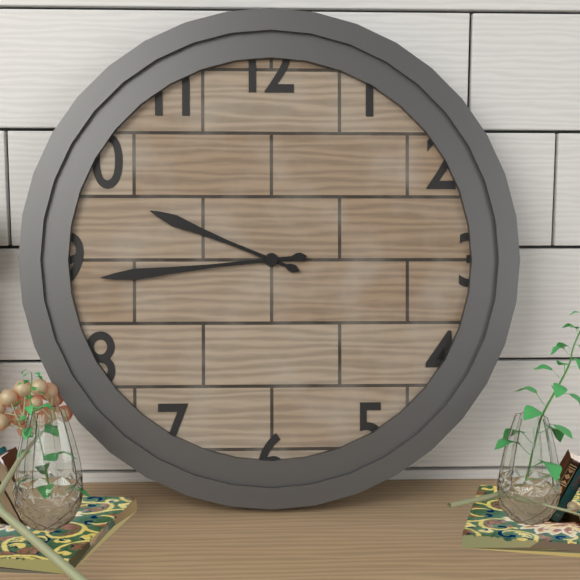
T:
**9:44**
